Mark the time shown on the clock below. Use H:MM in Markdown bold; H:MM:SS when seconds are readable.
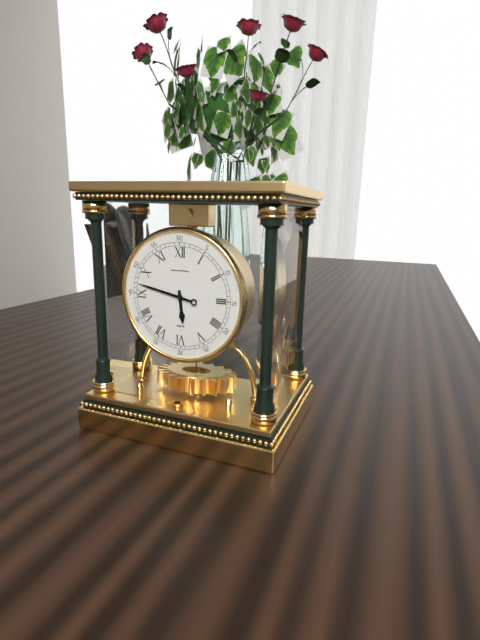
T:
**5:47**
